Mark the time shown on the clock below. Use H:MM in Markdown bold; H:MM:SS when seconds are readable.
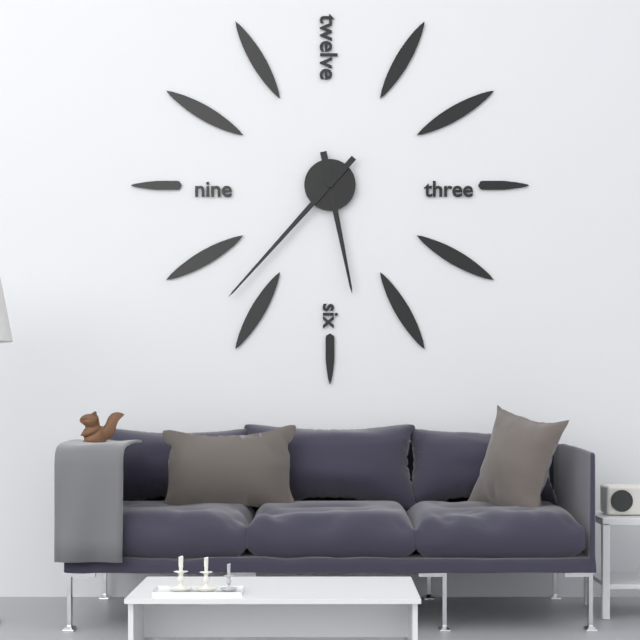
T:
**5:37**
